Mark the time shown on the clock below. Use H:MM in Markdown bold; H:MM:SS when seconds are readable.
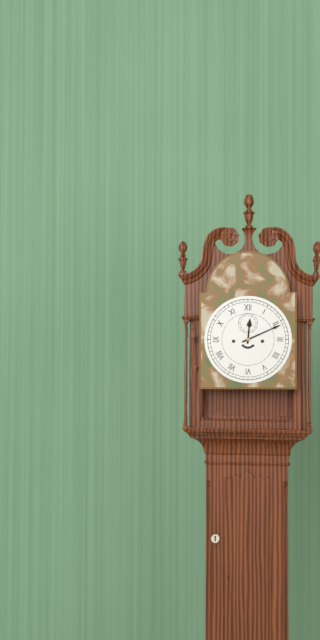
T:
**12:11**
